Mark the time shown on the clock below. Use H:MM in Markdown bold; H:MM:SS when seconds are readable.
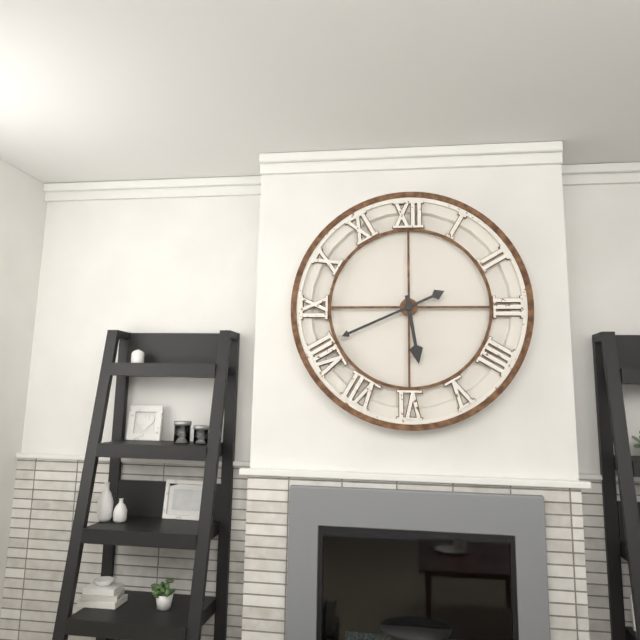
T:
**5:41**
